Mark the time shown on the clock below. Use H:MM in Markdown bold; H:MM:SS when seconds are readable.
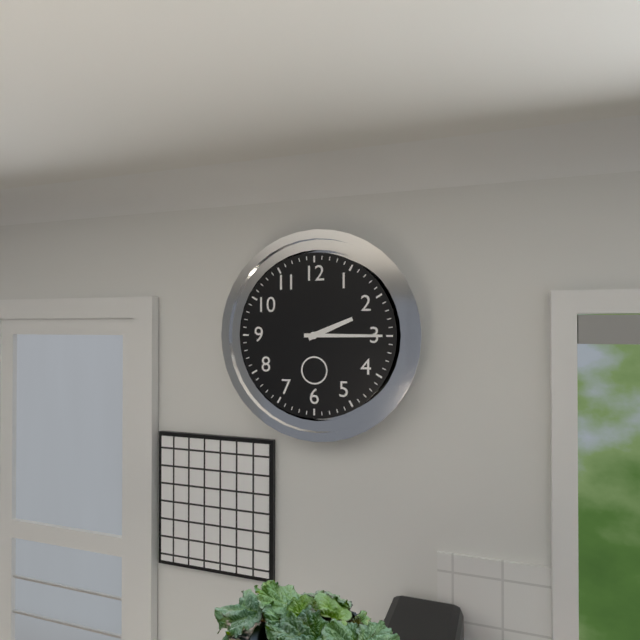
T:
**2:15**
